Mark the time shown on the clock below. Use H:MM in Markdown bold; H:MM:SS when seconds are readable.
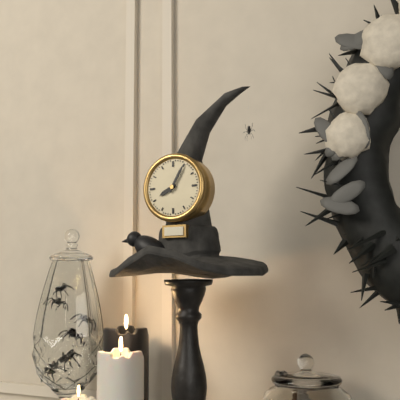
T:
**8:05**
